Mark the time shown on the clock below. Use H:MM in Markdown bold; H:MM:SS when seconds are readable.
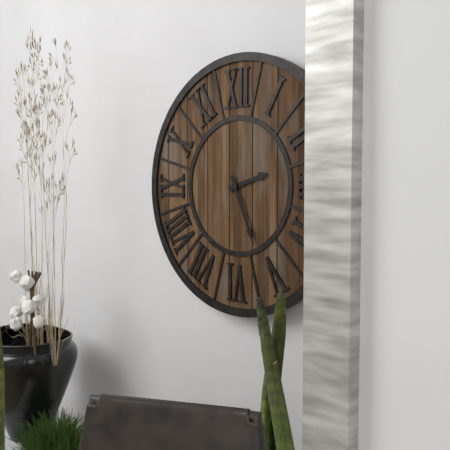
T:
**2:26**
